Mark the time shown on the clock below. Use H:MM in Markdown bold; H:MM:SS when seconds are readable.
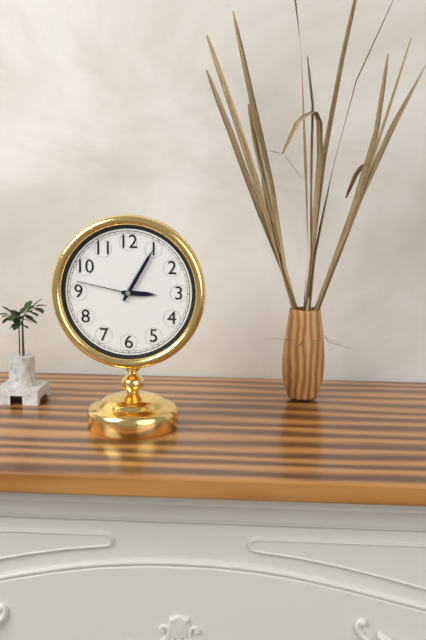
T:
**3:05:47**
